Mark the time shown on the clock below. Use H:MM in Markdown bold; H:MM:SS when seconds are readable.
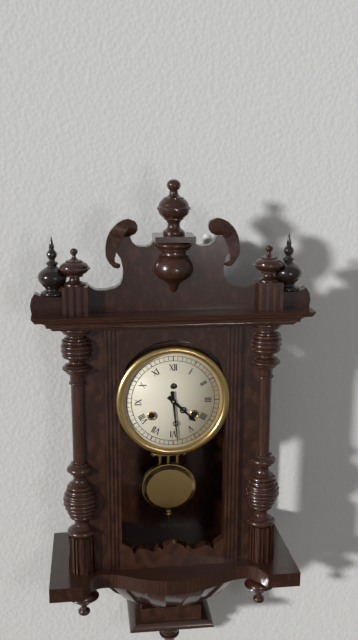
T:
**4:29**
